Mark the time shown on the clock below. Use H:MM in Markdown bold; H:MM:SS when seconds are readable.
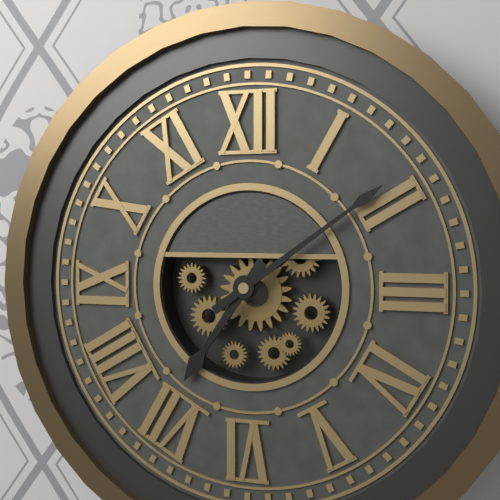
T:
**7:09**
